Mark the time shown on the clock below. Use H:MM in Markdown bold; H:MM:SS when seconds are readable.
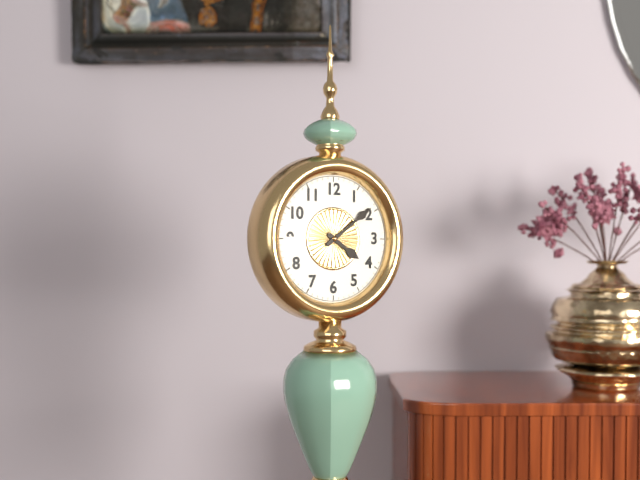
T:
**4:09**
